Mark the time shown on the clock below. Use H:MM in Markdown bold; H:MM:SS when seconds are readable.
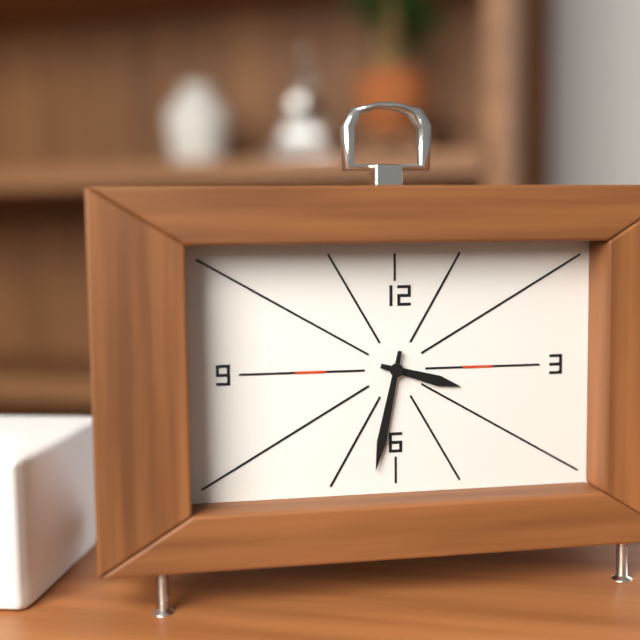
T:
**3:32**
